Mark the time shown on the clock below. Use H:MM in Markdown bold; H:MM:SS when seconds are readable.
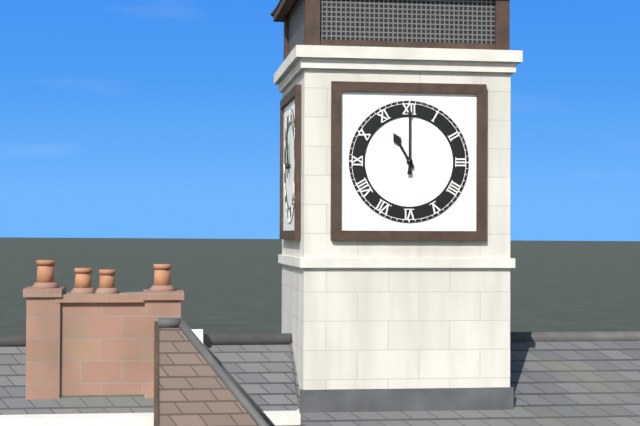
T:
**11:00**
